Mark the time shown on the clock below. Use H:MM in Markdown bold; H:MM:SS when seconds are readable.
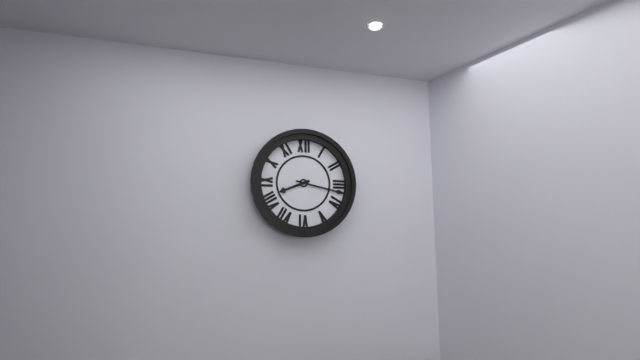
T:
**8:17**
